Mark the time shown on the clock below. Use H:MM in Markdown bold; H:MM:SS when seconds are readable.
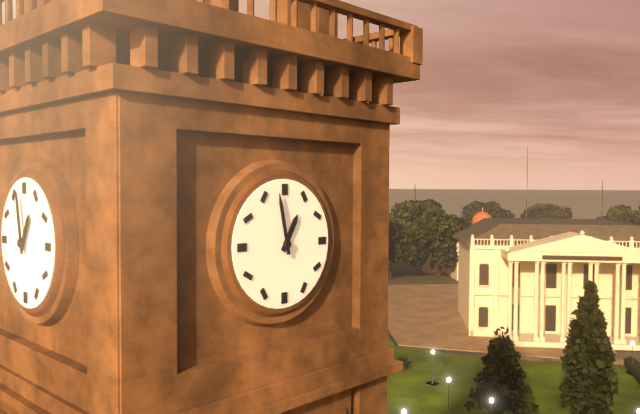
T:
**12:58**
